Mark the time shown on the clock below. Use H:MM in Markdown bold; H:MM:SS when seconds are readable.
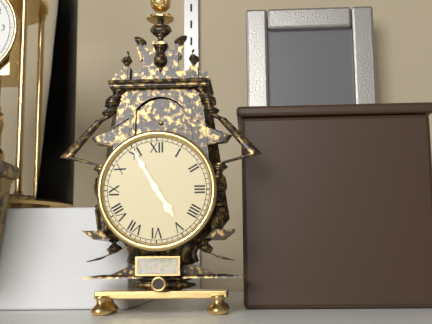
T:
**4:55**
